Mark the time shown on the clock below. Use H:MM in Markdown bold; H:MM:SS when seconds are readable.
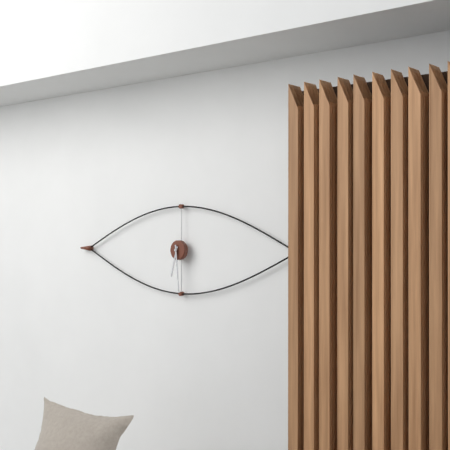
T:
**6:29**
